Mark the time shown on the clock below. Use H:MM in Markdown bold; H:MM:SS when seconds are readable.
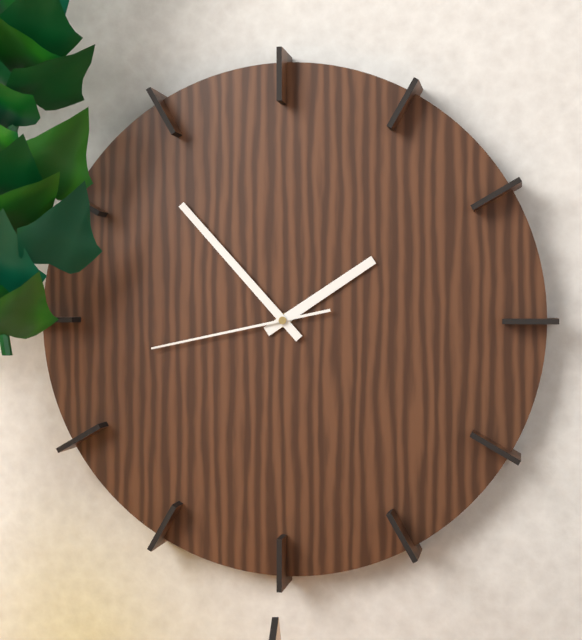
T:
**1:53:43**
